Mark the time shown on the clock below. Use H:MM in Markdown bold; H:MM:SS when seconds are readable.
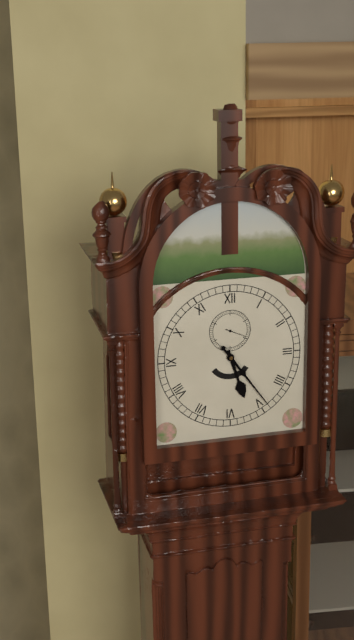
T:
**5:24**
